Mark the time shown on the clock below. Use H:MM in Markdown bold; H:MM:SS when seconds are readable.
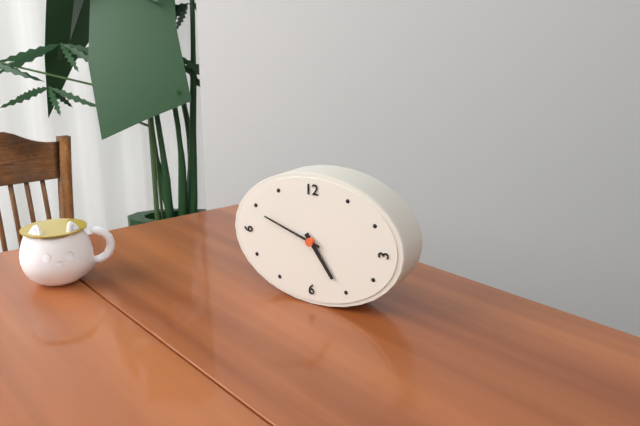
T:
**4:48**
